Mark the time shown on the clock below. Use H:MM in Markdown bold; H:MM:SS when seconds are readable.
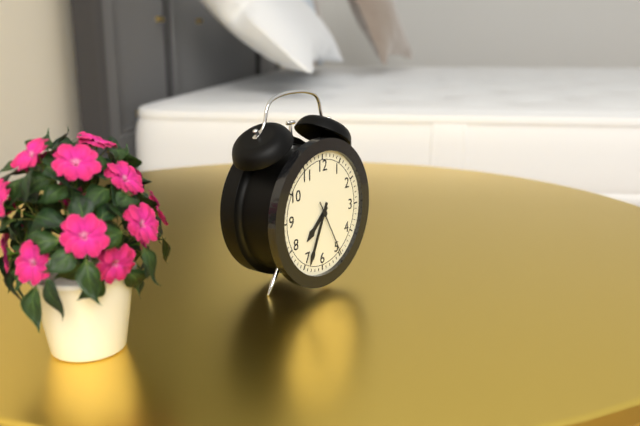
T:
**7:34:25**
